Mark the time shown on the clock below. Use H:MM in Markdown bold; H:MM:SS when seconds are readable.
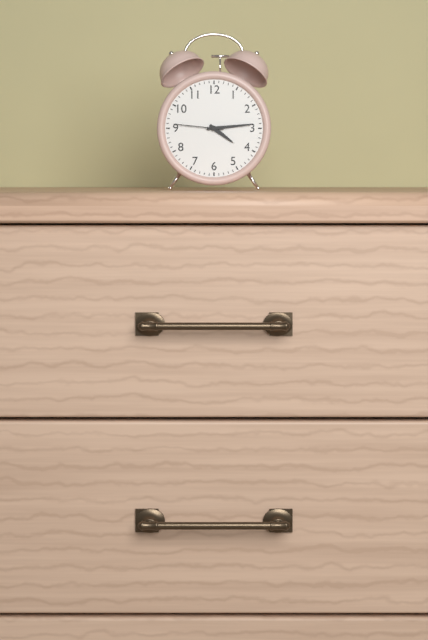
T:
**4:14**
